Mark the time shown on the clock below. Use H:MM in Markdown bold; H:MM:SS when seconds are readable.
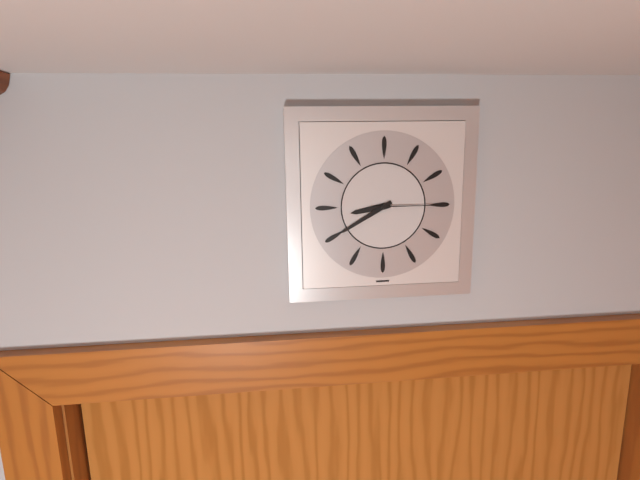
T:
**8:40:15**
